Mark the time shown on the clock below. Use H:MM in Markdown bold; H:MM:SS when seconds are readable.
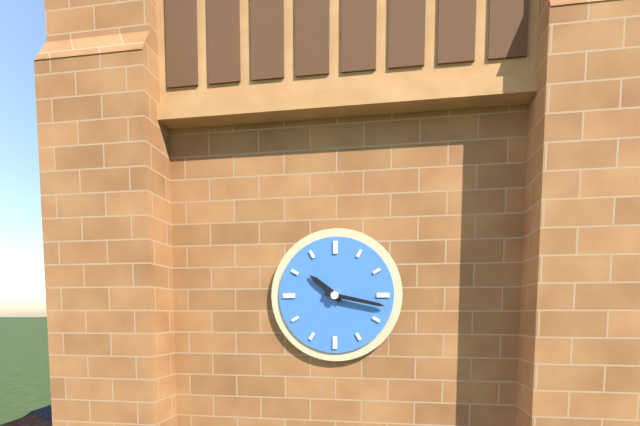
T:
**10:17**
